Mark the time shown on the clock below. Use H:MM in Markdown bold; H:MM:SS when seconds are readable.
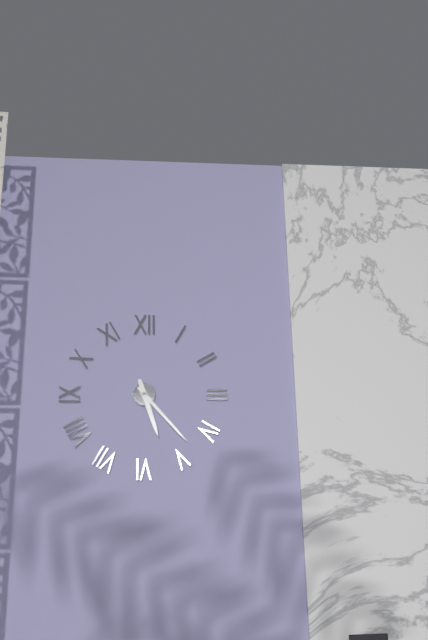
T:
**5:23**
